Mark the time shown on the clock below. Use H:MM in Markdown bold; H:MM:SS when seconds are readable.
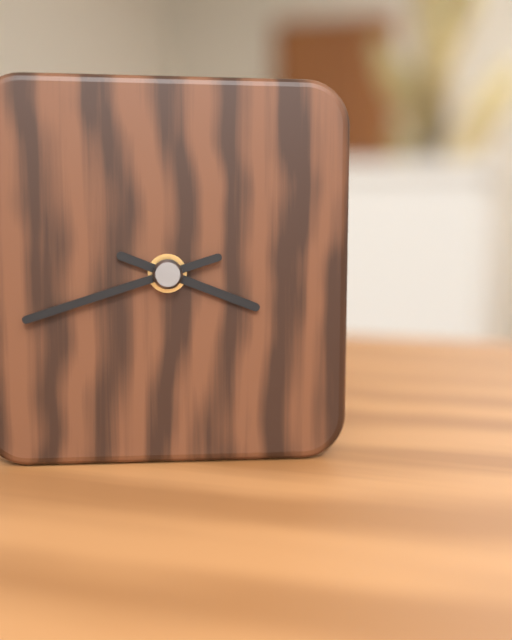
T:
**3:42**
